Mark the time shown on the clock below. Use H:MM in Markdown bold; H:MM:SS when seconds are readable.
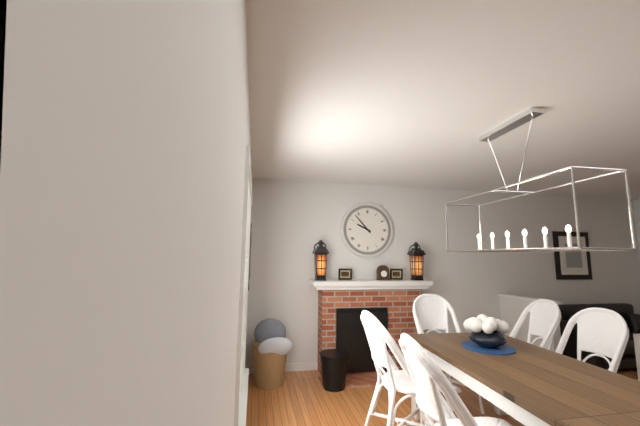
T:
**9:53**
